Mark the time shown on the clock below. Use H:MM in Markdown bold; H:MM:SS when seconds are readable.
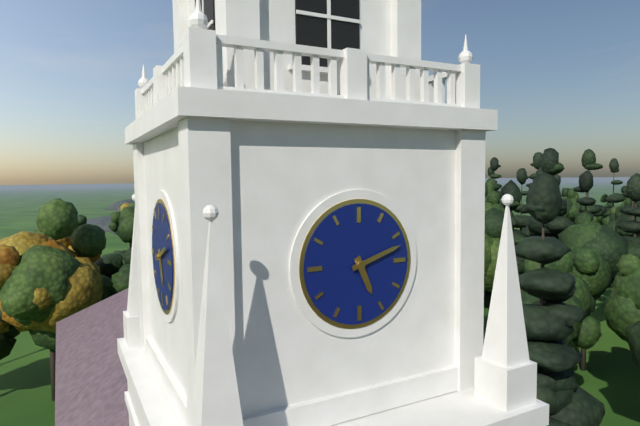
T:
**5:12**
